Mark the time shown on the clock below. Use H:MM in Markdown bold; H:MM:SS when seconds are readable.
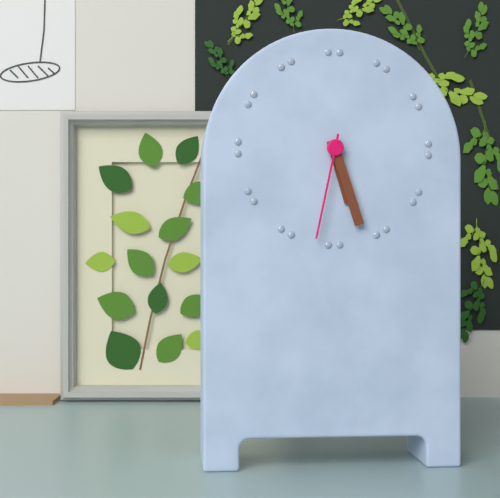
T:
**5:27:32**
